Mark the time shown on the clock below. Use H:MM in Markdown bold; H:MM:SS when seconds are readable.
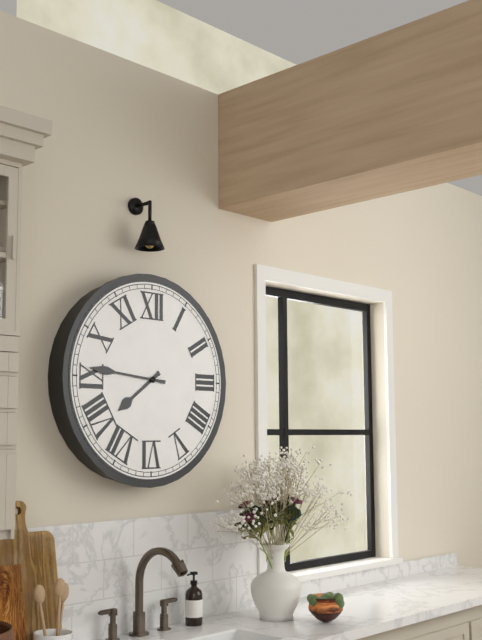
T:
**7:46**
